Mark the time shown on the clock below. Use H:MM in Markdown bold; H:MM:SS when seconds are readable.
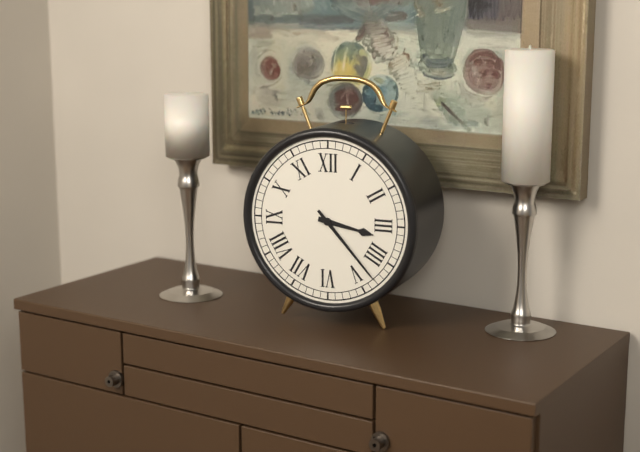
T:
**3:23**
